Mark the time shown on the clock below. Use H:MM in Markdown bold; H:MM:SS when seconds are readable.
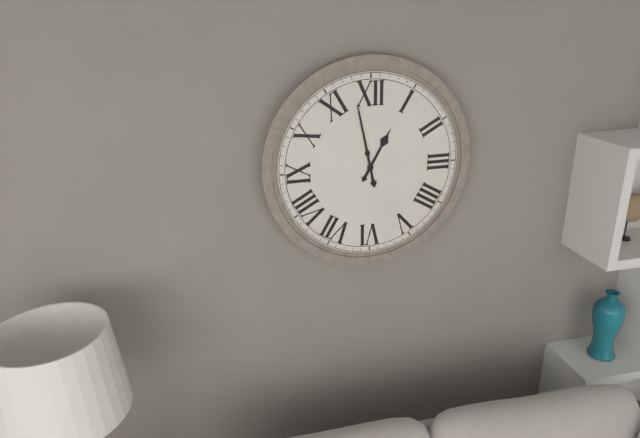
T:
**12:58**
